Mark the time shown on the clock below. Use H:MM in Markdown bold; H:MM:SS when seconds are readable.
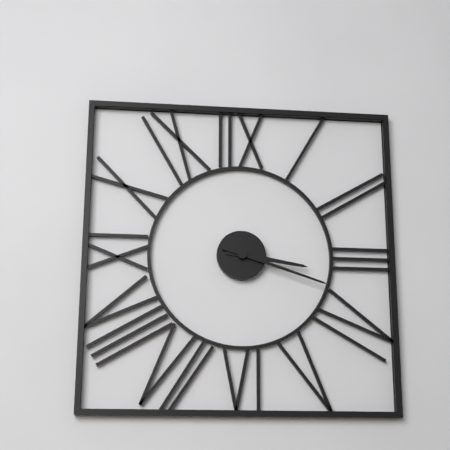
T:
**3:18**
